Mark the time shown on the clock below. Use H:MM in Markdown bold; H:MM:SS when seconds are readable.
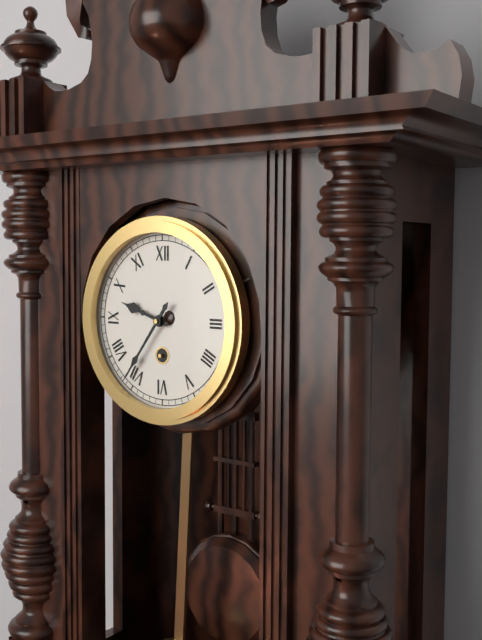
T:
**9:36**
